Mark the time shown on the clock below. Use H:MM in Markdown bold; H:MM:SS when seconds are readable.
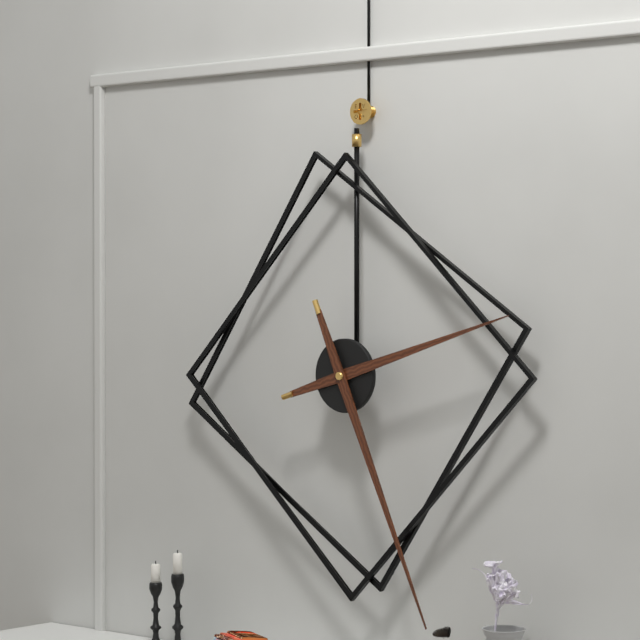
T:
**2:26**
